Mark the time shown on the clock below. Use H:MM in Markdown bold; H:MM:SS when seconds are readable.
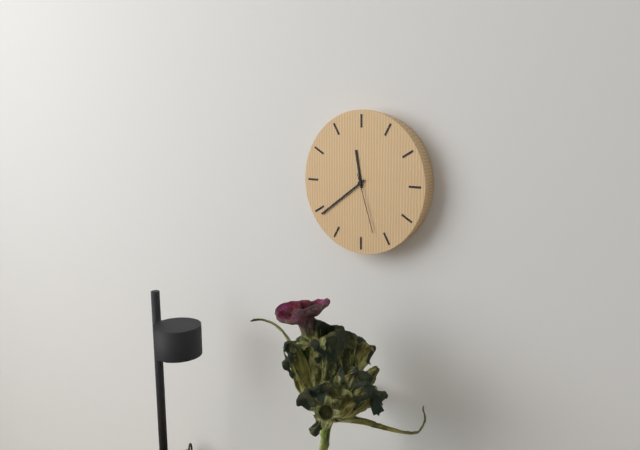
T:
**11:39:27**
